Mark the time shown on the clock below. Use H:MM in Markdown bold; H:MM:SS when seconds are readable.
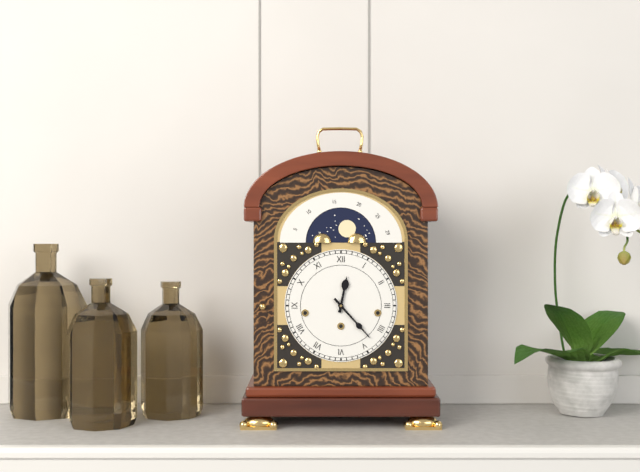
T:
**12:23**
